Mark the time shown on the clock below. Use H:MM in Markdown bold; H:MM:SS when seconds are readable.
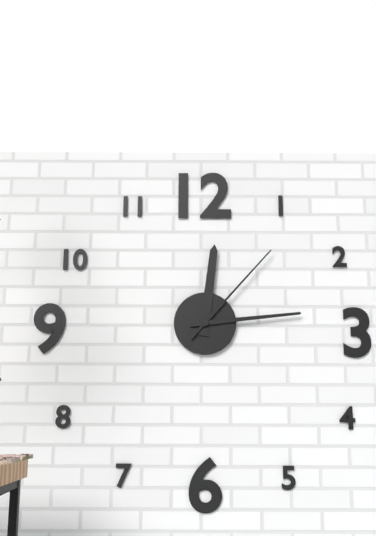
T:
**12:14:07**
